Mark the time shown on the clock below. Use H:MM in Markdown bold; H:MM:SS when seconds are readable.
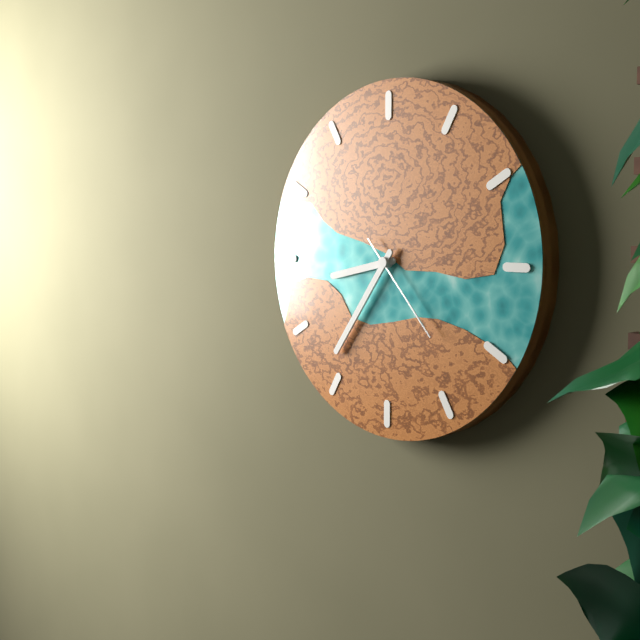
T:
**8:36:23**
